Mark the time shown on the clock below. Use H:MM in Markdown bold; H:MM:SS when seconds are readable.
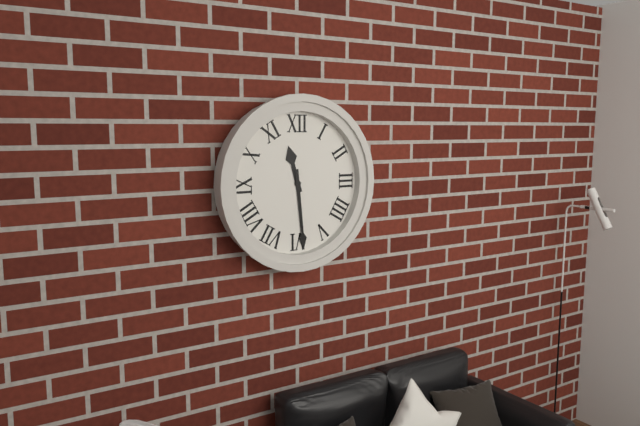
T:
**11:29**
